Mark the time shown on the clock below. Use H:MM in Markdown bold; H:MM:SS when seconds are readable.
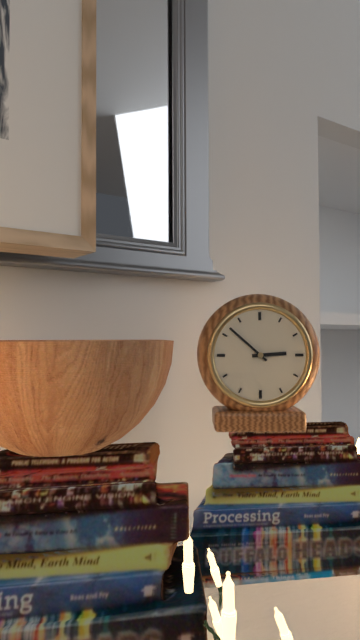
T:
**2:52**
